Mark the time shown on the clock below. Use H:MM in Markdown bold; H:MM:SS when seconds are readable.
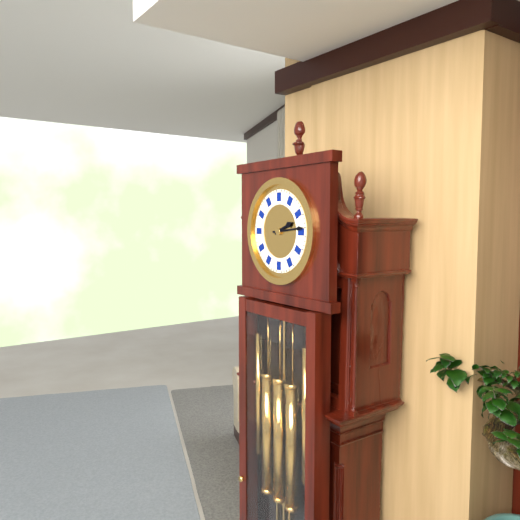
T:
**2:14**
